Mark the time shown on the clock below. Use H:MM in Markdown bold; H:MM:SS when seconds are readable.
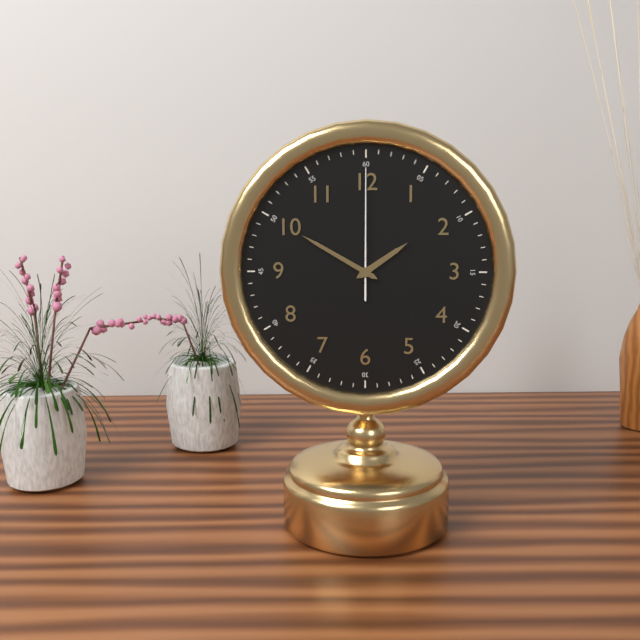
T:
**1:50:00**
